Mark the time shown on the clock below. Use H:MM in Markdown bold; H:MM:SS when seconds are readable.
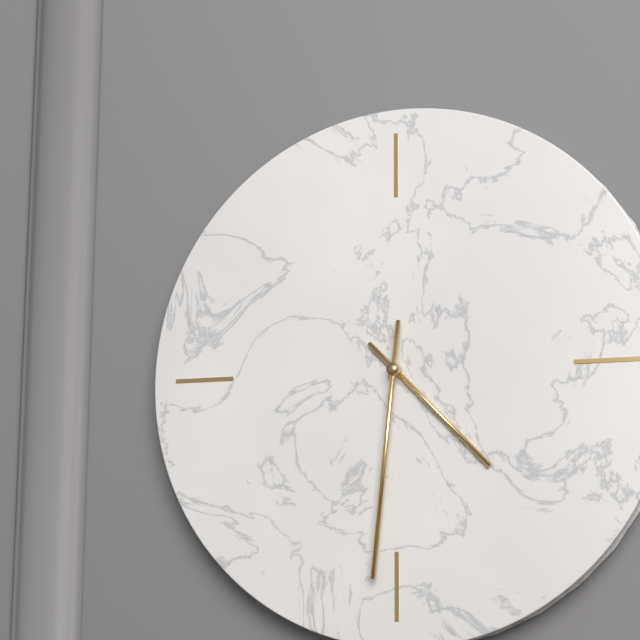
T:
**4:31**
